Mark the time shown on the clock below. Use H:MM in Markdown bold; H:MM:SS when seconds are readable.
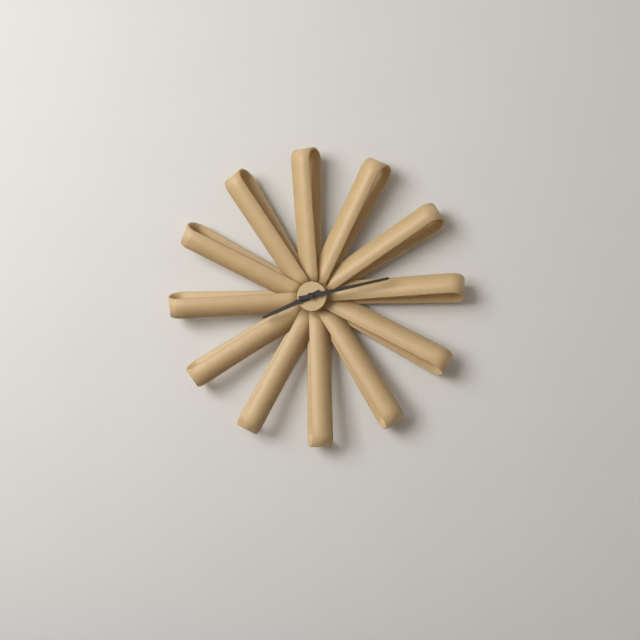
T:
**8:13**
